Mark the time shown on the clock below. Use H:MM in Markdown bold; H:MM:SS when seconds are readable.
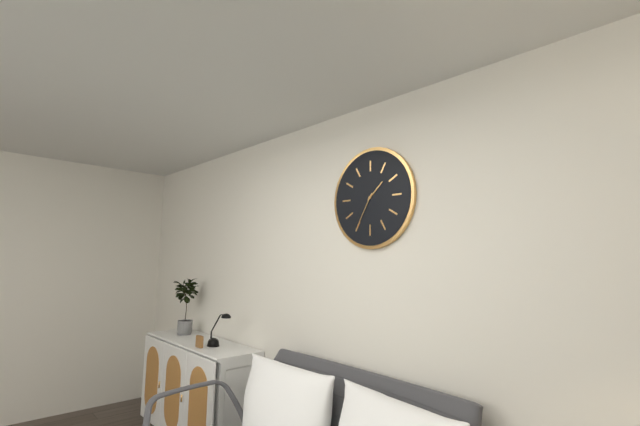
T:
**1:35**
